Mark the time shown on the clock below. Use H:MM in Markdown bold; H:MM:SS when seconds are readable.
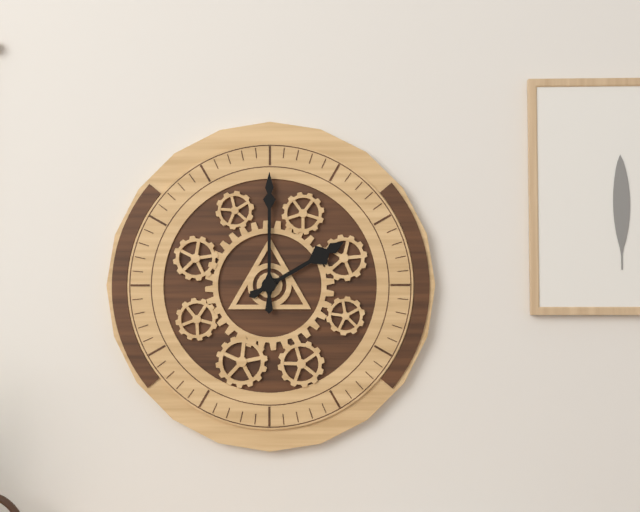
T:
**2:00**
